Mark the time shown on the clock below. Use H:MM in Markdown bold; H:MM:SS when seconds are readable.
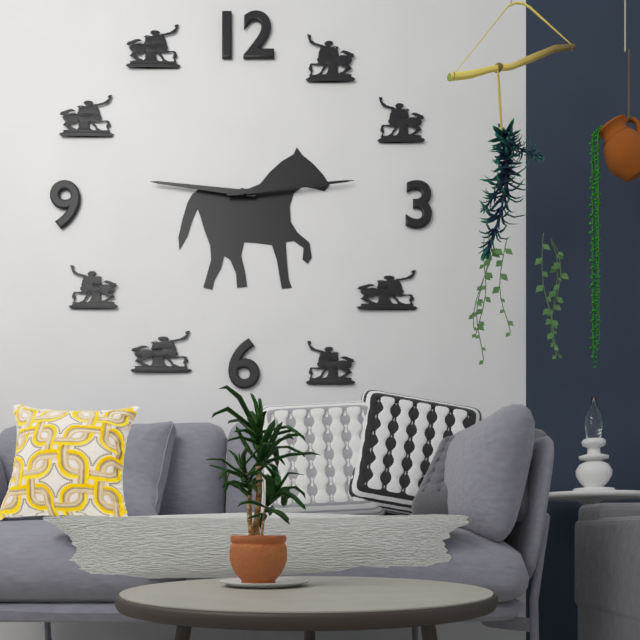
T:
**9:14**
